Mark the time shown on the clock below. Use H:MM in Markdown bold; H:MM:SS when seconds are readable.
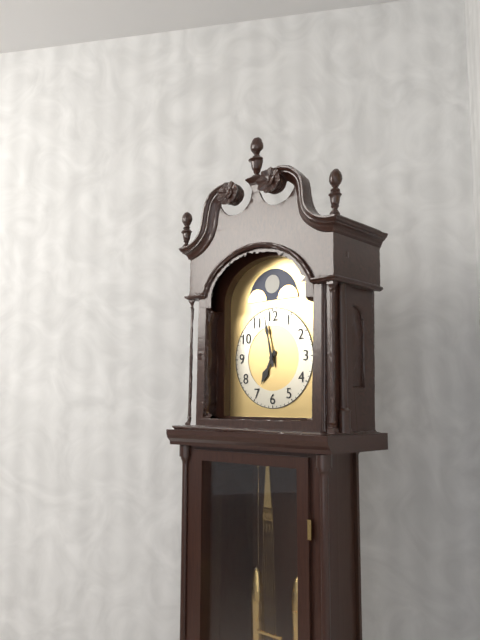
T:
**6:58**
